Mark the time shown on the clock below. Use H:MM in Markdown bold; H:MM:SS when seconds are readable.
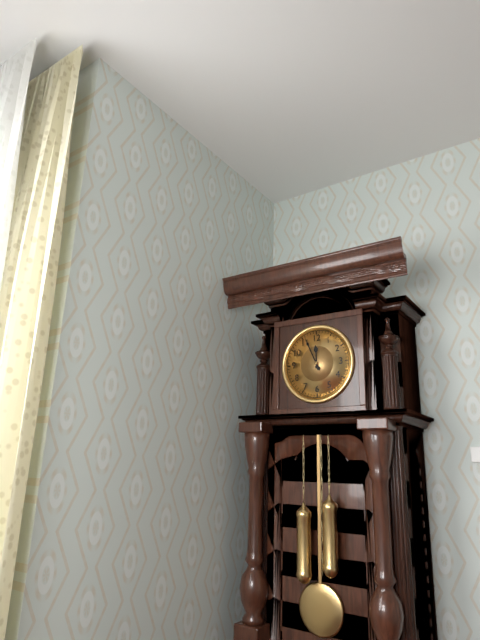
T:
**11:56**
